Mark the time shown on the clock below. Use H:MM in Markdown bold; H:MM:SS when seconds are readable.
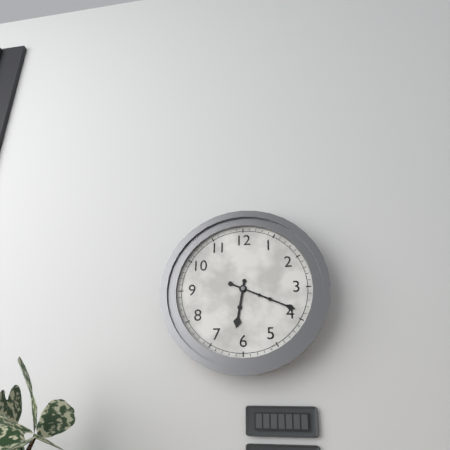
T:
**6:19**
